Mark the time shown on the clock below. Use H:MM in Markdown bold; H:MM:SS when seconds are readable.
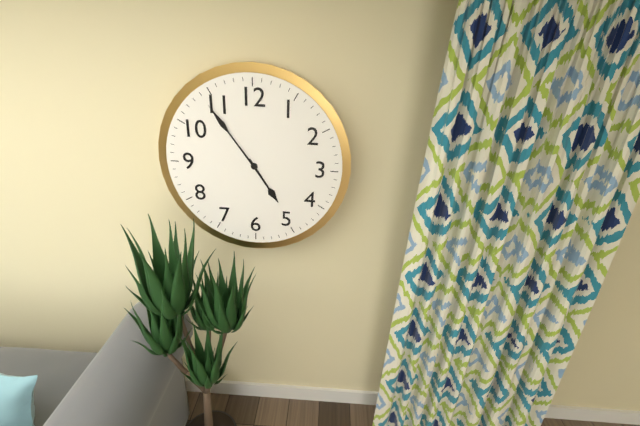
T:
**4:54**
